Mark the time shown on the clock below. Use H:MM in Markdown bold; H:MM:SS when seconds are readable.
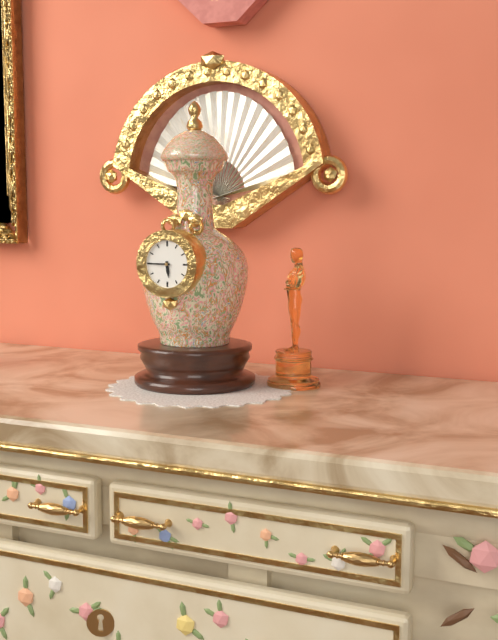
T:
**5:45**
